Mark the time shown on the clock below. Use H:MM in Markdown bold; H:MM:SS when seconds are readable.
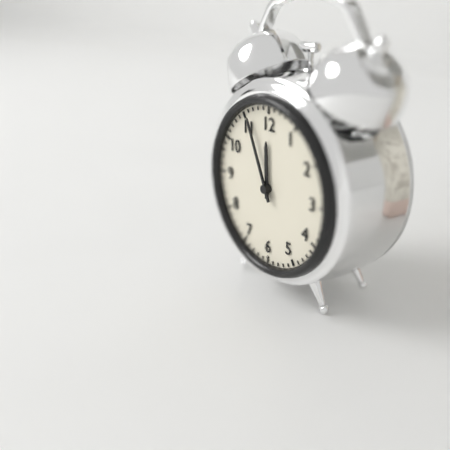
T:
**11:56**
